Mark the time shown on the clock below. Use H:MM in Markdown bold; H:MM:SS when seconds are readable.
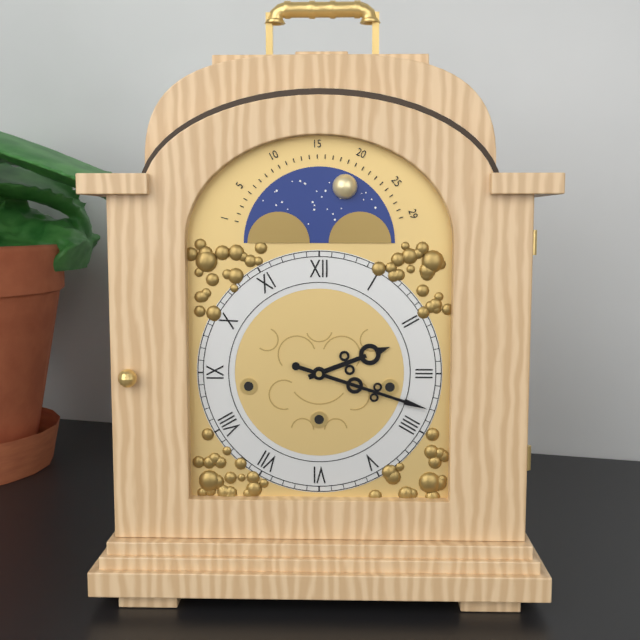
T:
**2:18**
